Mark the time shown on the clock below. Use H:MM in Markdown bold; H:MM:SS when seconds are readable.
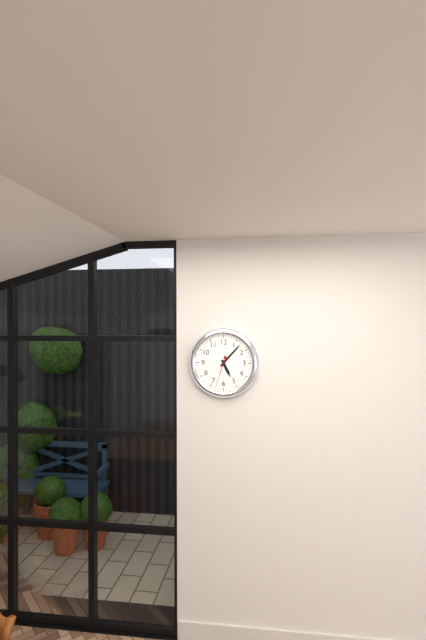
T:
**5:07**
